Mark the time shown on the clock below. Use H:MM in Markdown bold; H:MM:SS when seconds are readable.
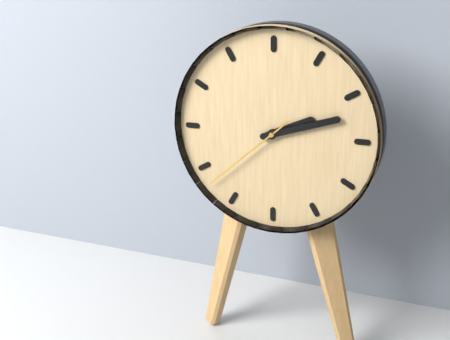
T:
**2:12:38**
